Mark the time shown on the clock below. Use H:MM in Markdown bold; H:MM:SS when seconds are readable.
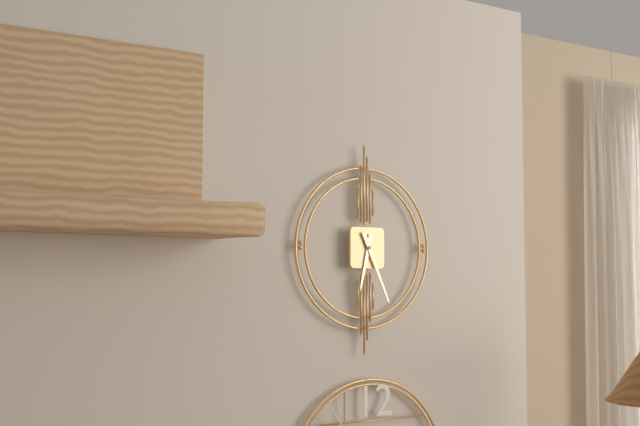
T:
**6:26**
